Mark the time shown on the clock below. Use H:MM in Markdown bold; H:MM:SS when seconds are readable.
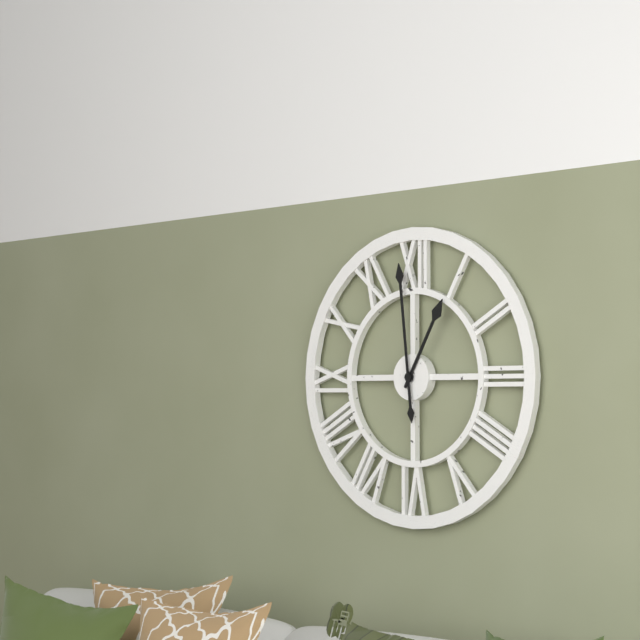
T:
**12:59**
